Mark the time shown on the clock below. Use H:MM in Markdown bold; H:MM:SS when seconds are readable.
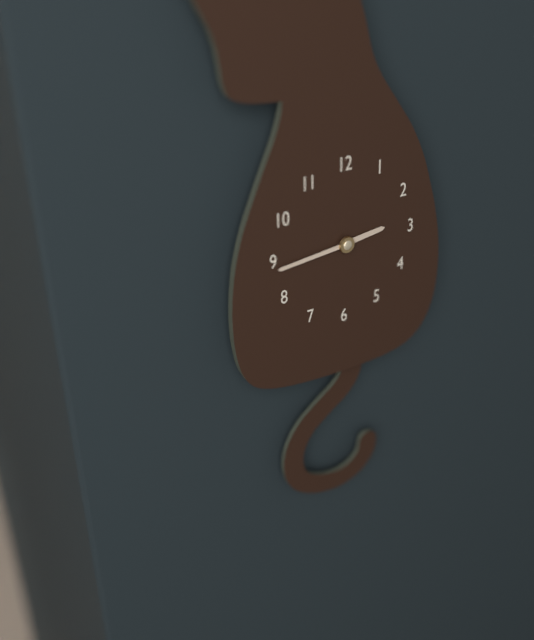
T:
**2:44**
